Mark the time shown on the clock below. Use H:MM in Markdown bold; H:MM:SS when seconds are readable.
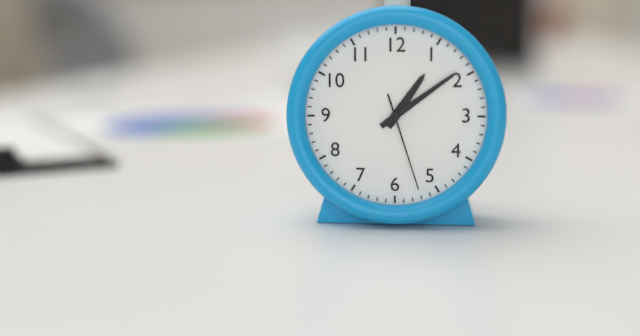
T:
**1:09:27**
